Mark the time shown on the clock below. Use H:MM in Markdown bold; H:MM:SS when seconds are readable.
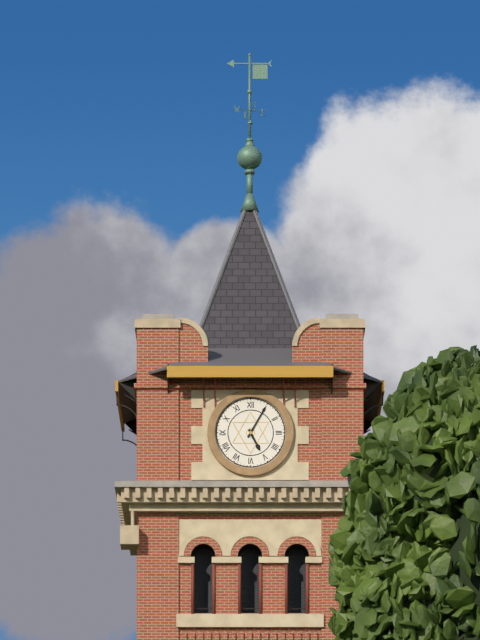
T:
**5:05**
